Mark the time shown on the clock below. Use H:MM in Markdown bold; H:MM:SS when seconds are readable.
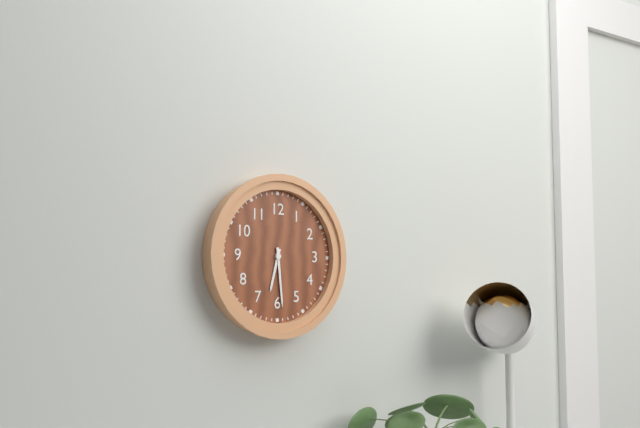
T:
**6:29**
